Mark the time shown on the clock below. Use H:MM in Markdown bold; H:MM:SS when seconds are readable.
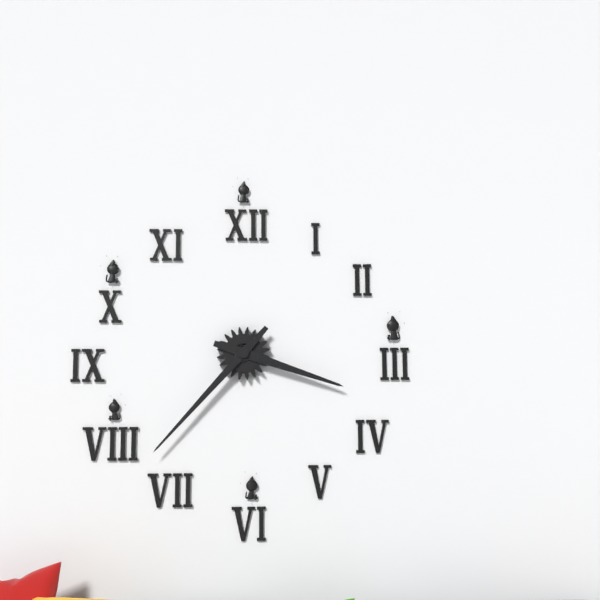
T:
**3:37**
